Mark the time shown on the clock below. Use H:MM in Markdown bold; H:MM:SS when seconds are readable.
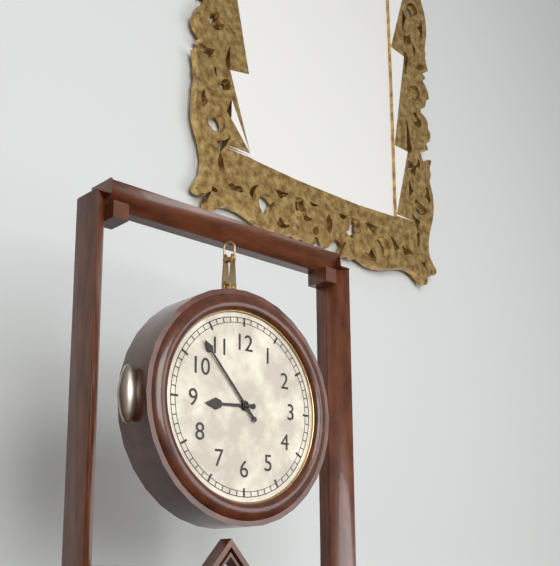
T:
**8:53**
